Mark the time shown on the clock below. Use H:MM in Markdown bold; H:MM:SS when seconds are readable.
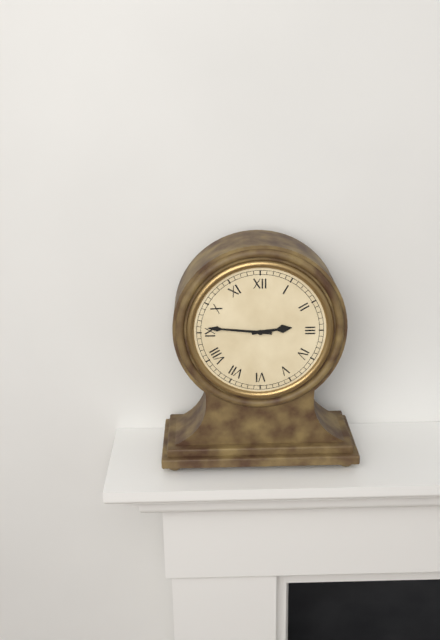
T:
**2:46**
